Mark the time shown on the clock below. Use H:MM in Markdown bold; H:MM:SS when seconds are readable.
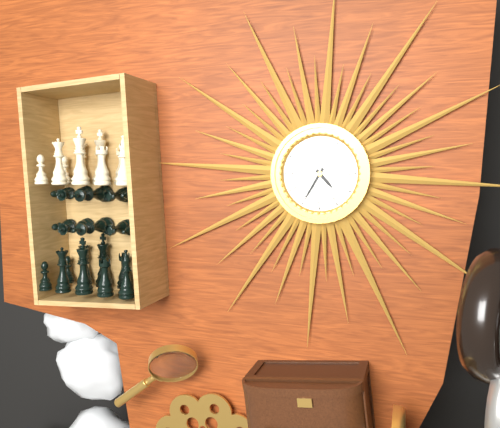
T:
**4:35**
